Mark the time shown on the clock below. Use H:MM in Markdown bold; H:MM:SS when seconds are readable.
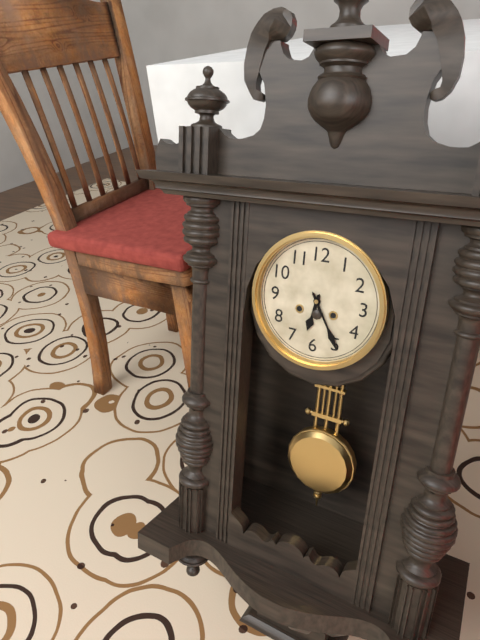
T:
**6:25**
